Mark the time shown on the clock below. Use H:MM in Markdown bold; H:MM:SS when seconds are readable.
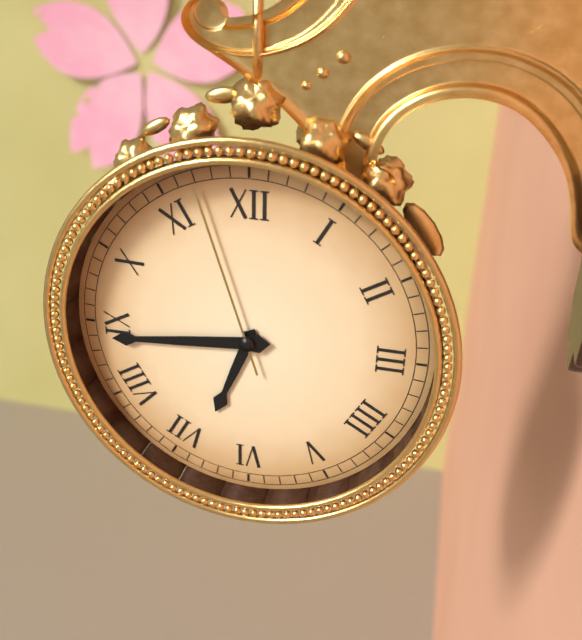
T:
**6:44:57**
